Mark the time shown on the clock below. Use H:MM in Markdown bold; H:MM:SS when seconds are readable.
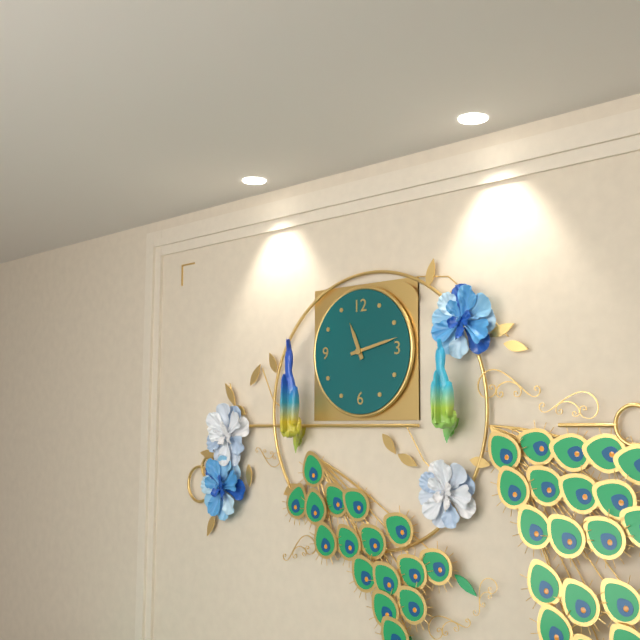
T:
**11:13**
